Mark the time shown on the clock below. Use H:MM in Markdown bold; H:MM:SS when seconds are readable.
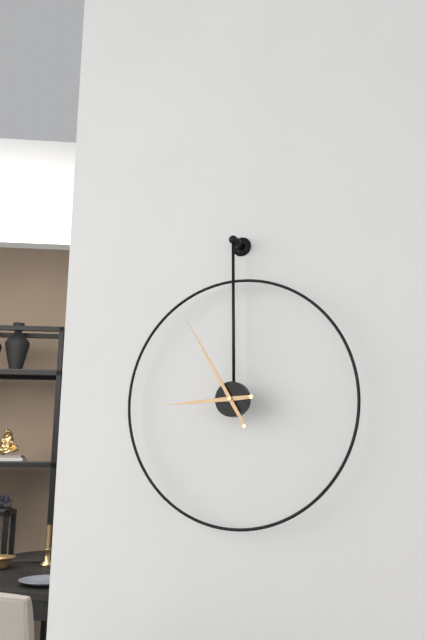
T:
**8:55**
